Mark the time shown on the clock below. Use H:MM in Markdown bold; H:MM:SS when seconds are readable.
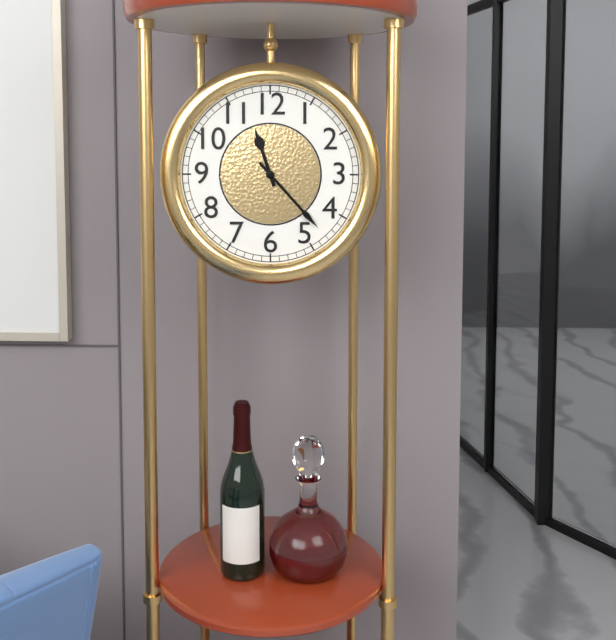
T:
**11:23**
